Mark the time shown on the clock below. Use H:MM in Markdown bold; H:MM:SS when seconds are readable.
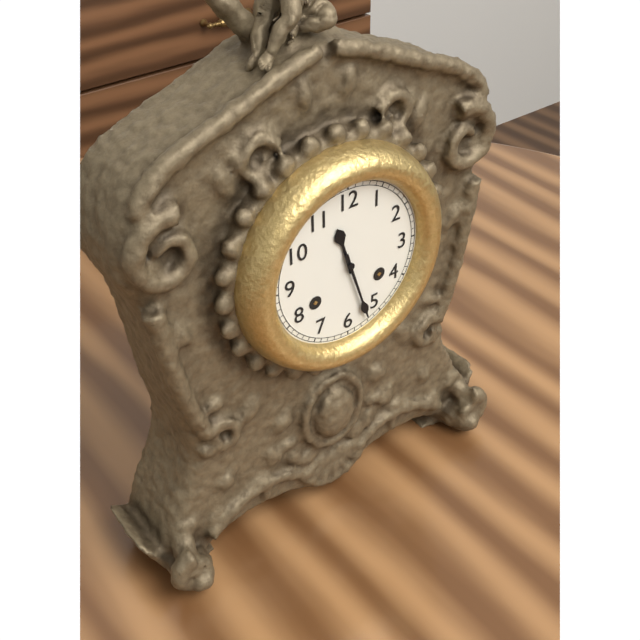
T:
**11:27**
